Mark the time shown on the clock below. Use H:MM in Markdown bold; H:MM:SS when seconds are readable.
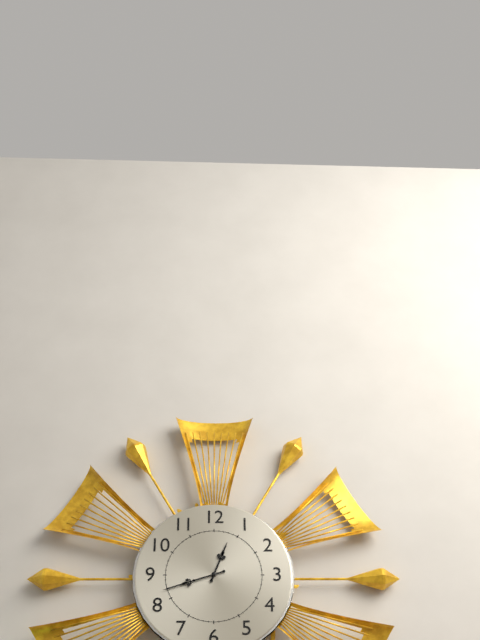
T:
**12:42**
